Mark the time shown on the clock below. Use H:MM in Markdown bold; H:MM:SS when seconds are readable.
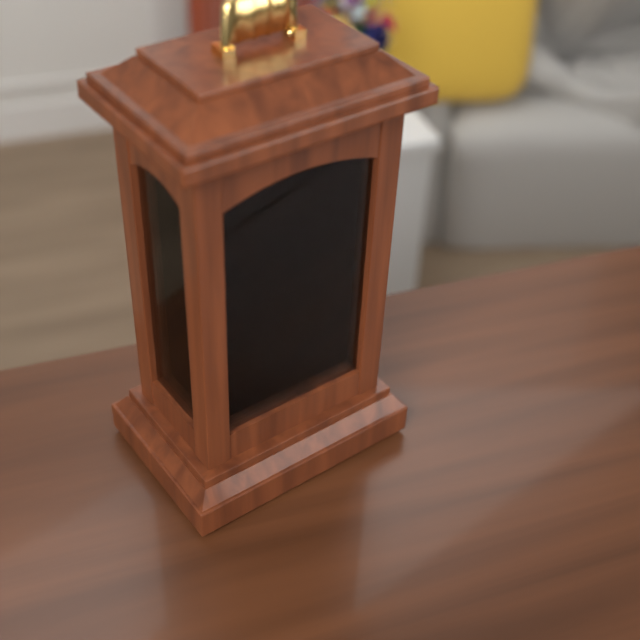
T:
**7:45**
